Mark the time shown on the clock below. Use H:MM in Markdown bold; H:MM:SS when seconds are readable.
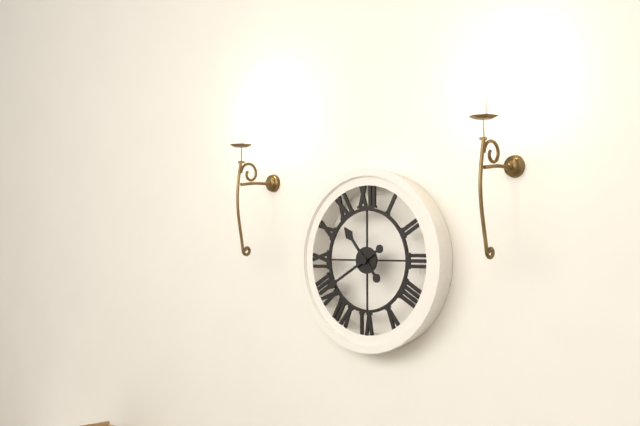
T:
**10:40**
